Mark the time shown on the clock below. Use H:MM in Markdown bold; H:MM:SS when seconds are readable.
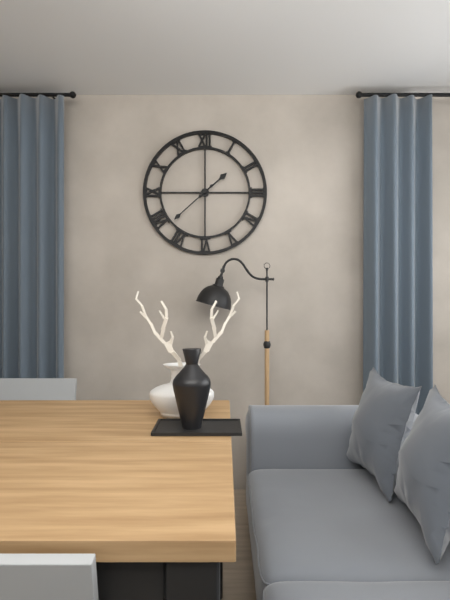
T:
**1:38**
